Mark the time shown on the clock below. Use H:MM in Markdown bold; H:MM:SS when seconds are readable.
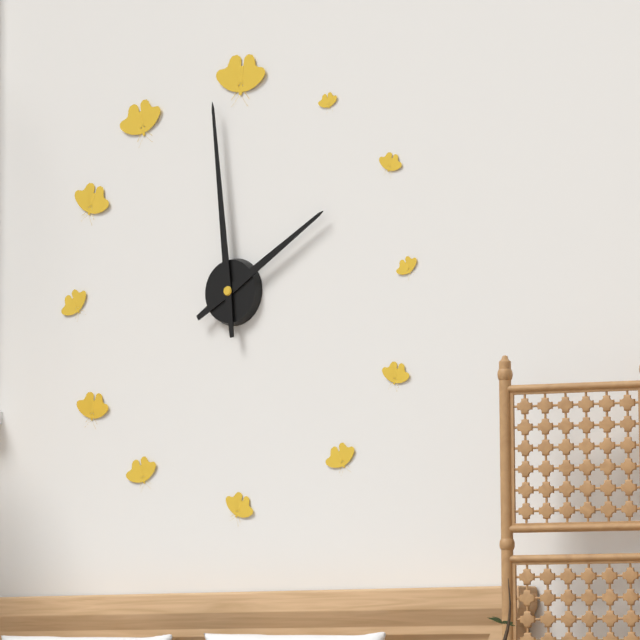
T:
**1:59**
